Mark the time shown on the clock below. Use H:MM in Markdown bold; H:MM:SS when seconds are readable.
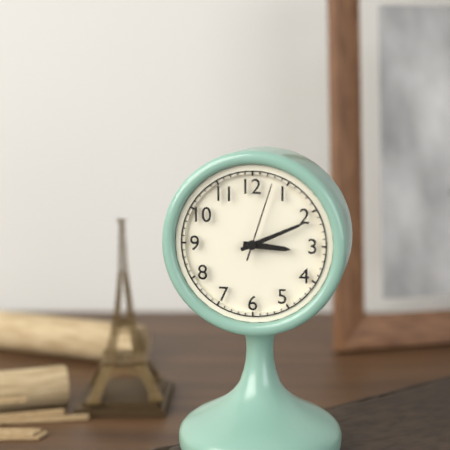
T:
**3:11:03**
